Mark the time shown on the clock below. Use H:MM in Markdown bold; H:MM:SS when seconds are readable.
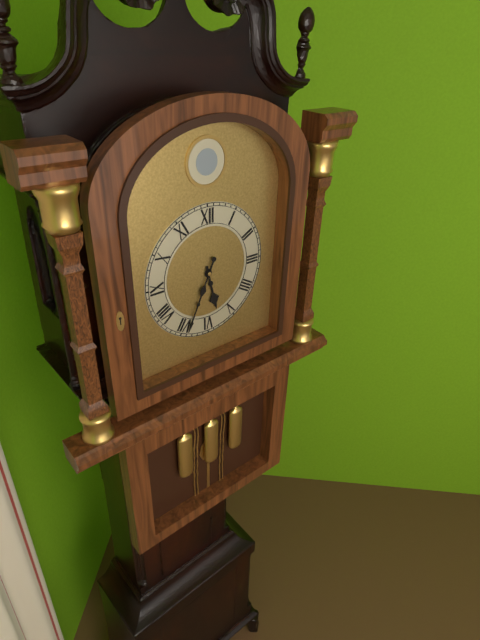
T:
**5:34**
